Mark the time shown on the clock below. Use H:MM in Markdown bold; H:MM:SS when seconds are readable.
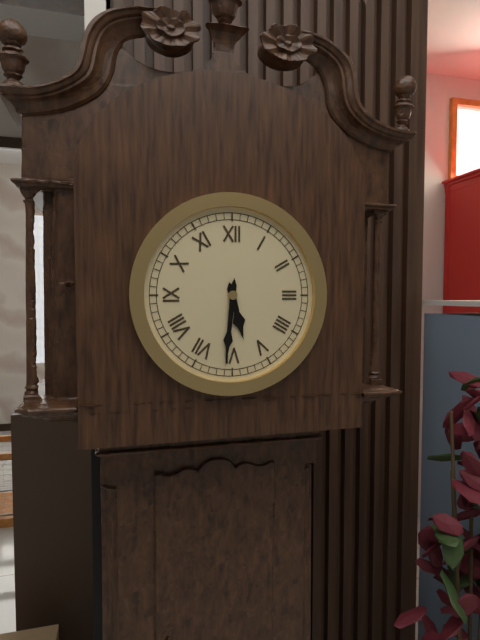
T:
**5:31**
